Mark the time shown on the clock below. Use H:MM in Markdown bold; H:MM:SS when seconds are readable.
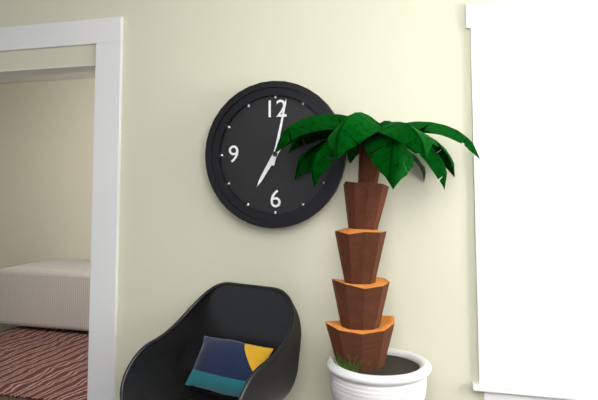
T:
**7:02**
